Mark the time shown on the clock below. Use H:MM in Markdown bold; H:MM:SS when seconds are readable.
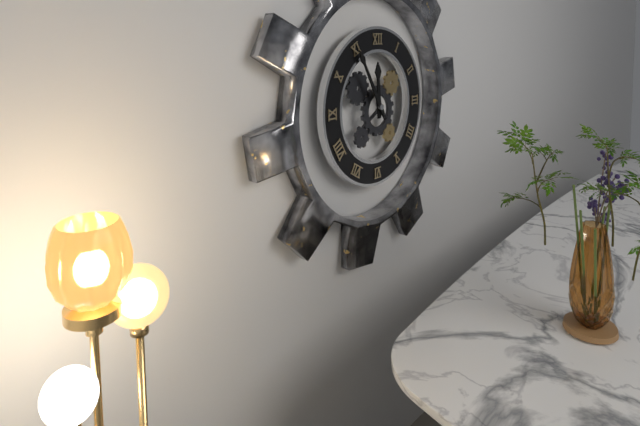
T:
**11:55**
